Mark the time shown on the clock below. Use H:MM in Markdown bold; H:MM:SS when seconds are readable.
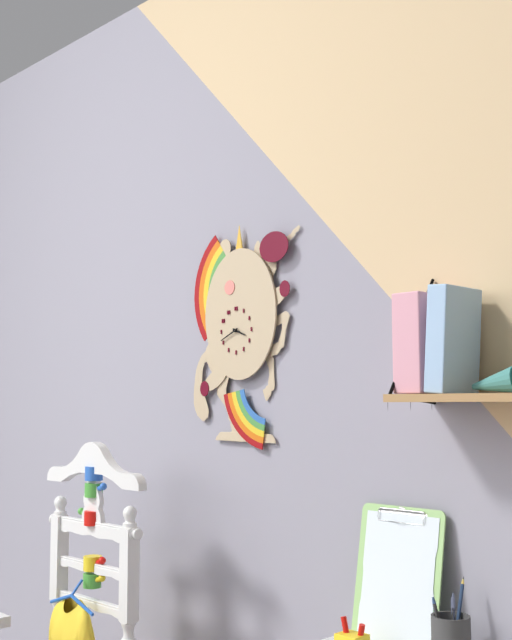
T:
**3:41**
